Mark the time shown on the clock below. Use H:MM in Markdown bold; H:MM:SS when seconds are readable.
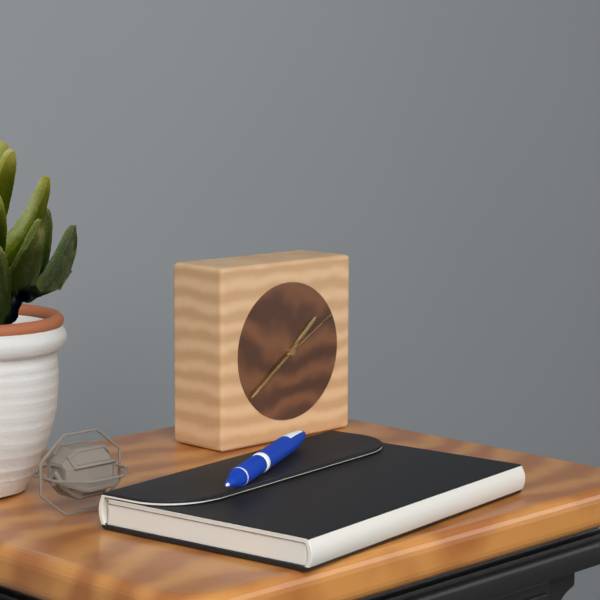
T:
**1:39:10**
